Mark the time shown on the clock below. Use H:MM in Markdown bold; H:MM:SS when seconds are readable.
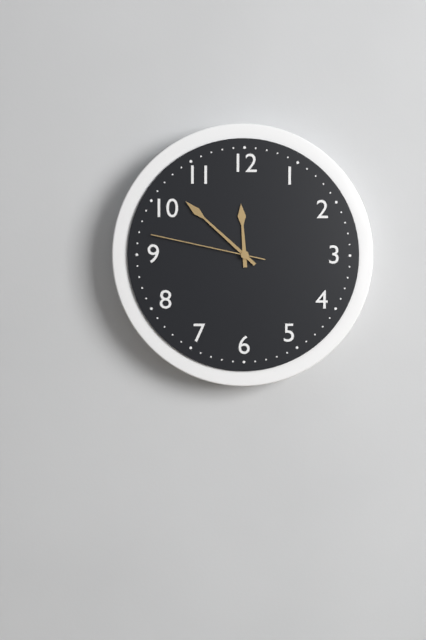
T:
**11:52:47**
